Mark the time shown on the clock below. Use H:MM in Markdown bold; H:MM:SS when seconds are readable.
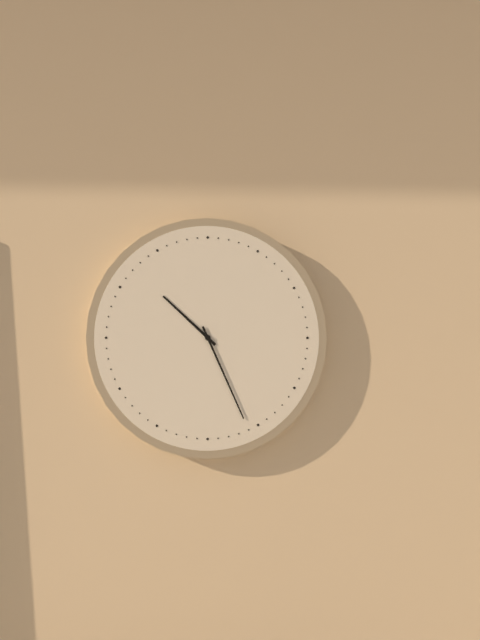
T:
**10:26**
